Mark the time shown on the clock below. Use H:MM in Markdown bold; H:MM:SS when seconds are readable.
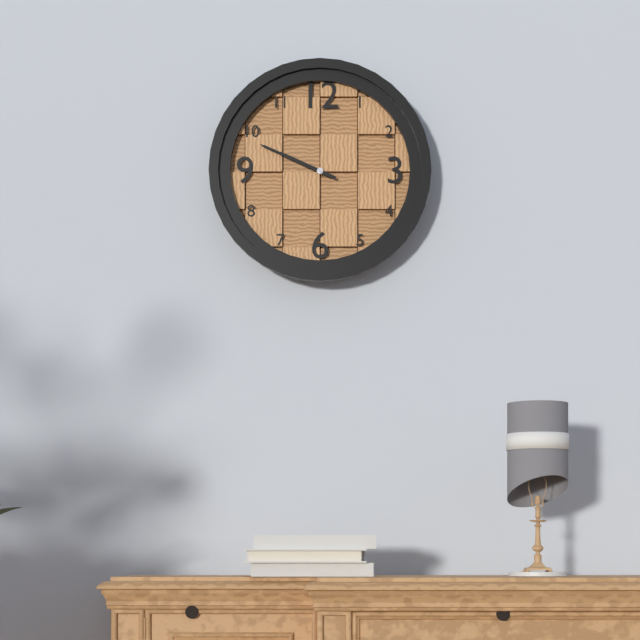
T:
**9:49**
